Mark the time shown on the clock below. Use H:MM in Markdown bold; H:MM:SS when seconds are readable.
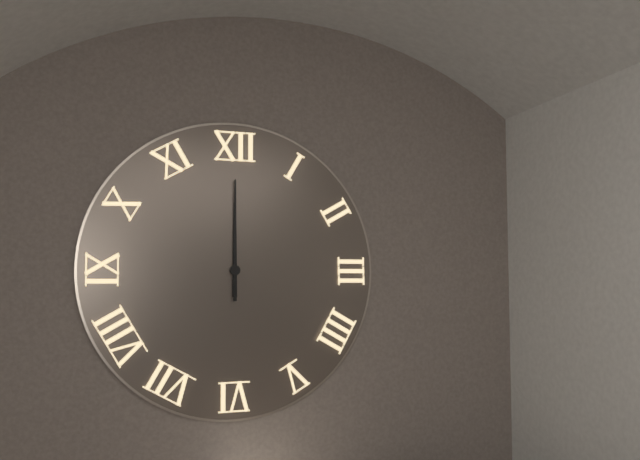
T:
**12:00**
